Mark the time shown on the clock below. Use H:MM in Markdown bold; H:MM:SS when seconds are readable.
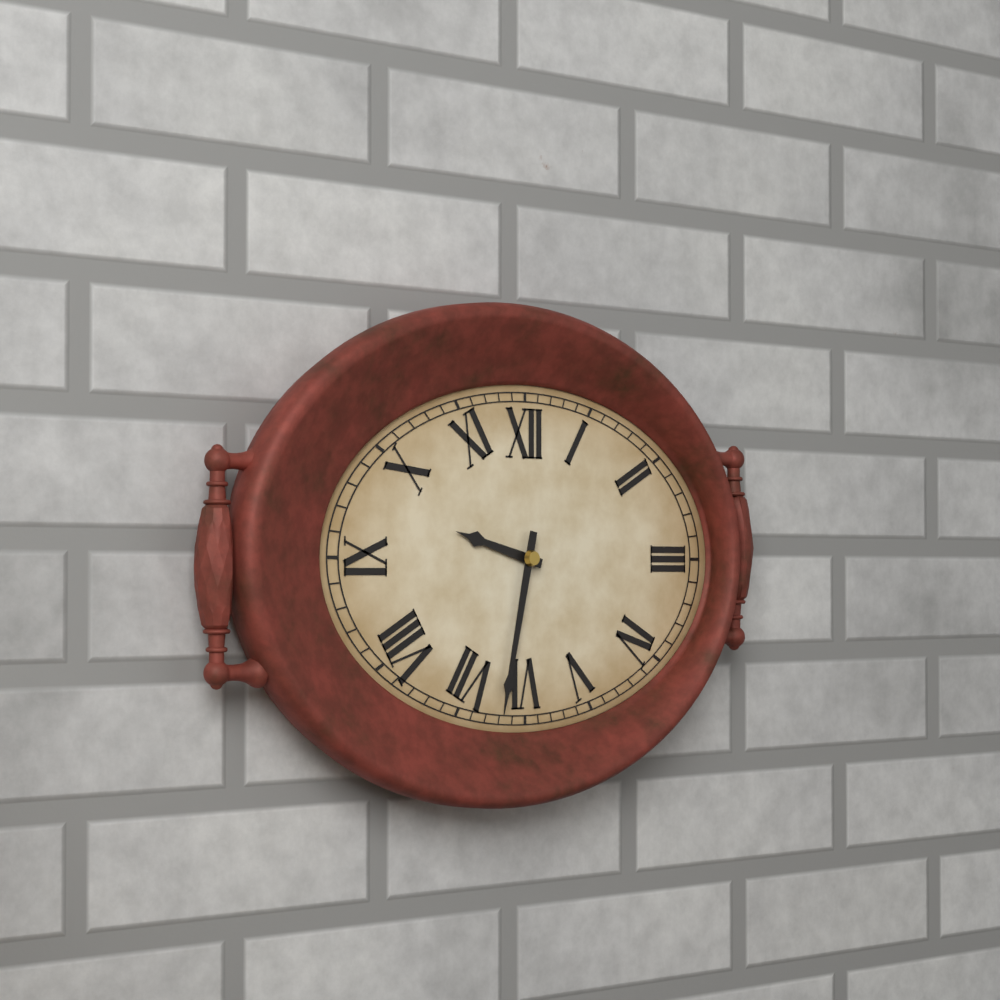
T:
**9:32**
